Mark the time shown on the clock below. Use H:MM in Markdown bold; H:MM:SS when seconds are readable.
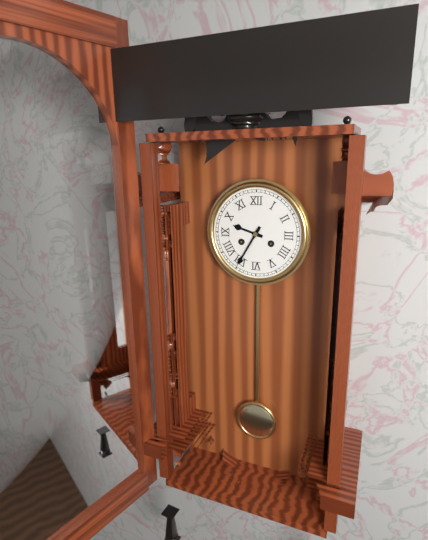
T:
**9:35**
